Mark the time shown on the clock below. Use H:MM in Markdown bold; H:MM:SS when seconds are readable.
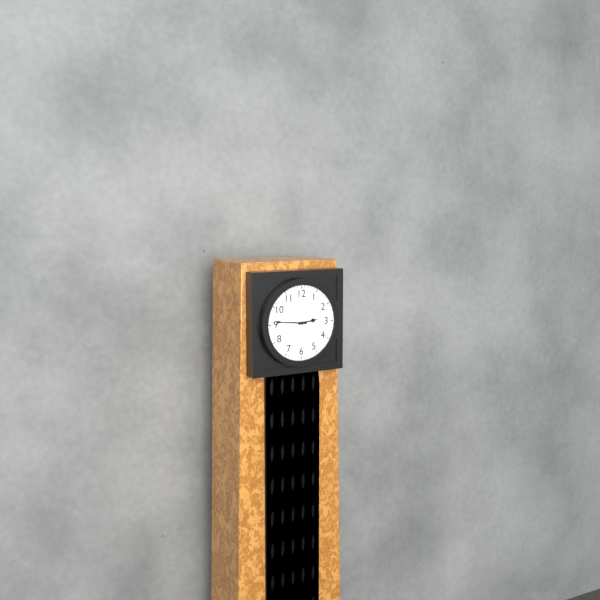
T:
**2:46**
